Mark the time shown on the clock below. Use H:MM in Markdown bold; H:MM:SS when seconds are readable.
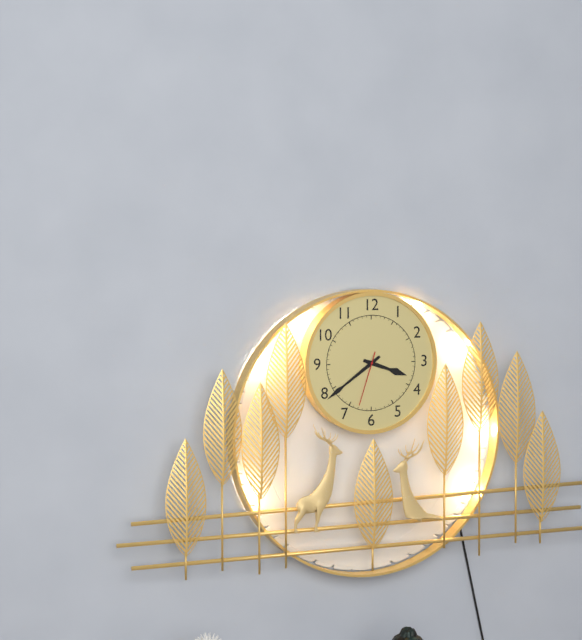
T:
**3:39:33**
